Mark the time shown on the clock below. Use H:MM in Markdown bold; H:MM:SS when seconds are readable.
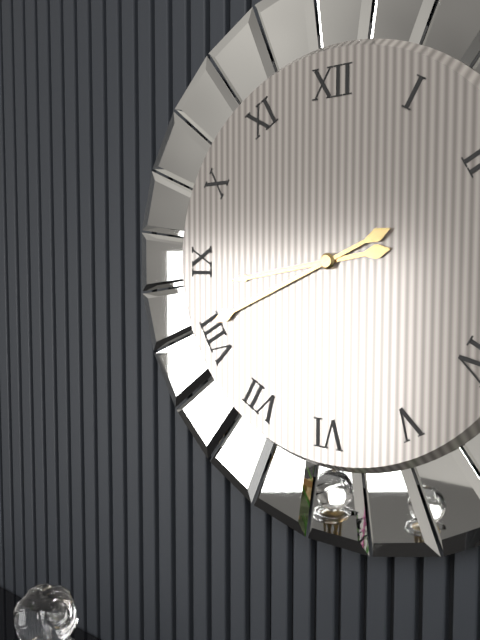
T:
**8:41**
